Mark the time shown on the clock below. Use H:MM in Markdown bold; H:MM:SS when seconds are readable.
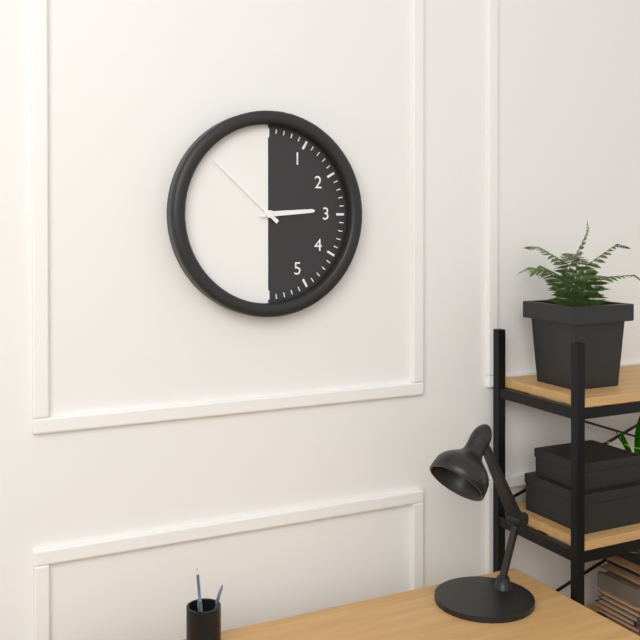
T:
**2:52**
